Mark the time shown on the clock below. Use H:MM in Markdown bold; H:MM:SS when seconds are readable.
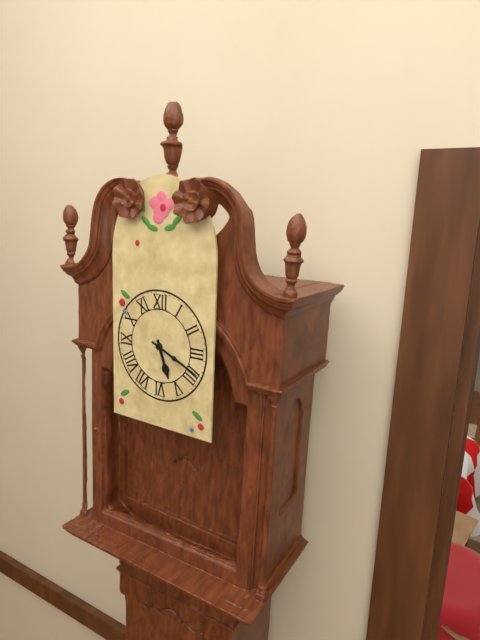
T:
**5:19**
